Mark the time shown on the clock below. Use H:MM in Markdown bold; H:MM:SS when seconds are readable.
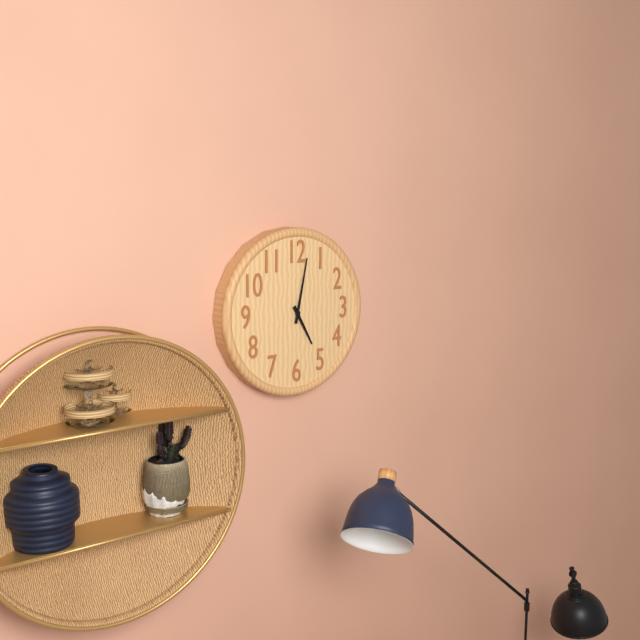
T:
**5:02**
